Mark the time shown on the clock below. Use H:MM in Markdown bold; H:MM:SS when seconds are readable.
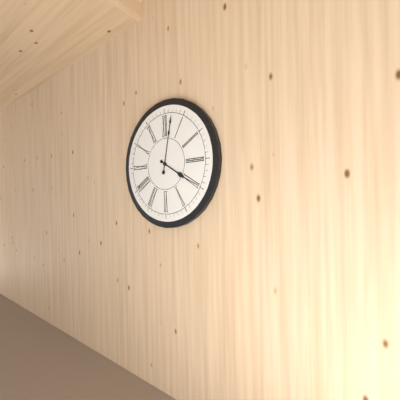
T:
**4:02**
